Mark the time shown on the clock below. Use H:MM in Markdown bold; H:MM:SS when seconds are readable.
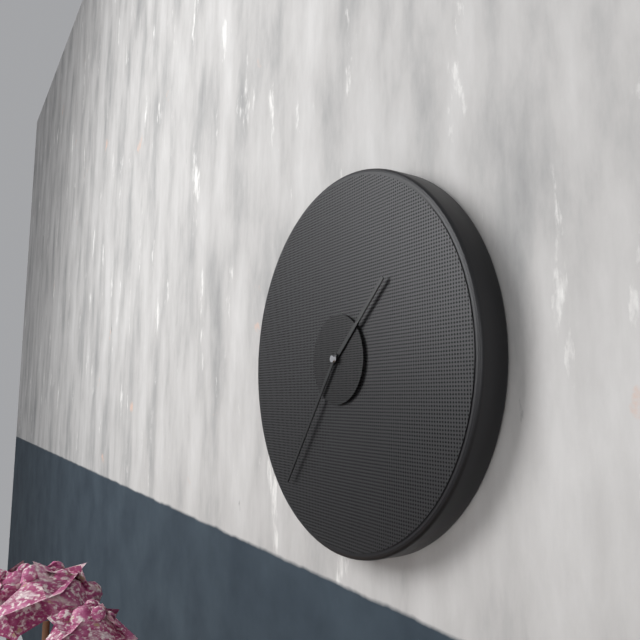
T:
**1:36**
